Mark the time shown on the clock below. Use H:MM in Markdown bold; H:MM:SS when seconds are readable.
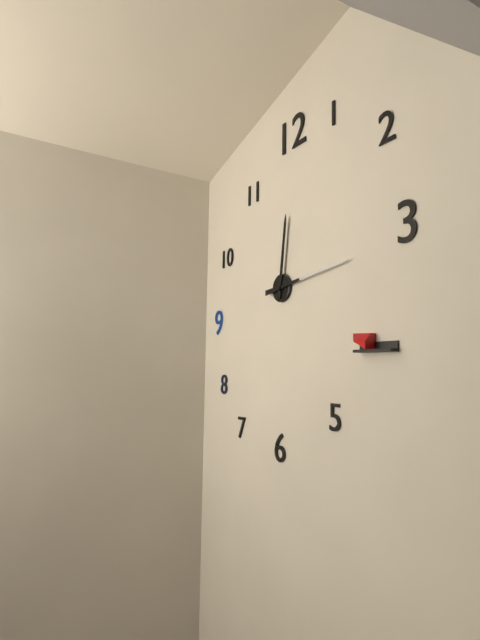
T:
**12:14**
